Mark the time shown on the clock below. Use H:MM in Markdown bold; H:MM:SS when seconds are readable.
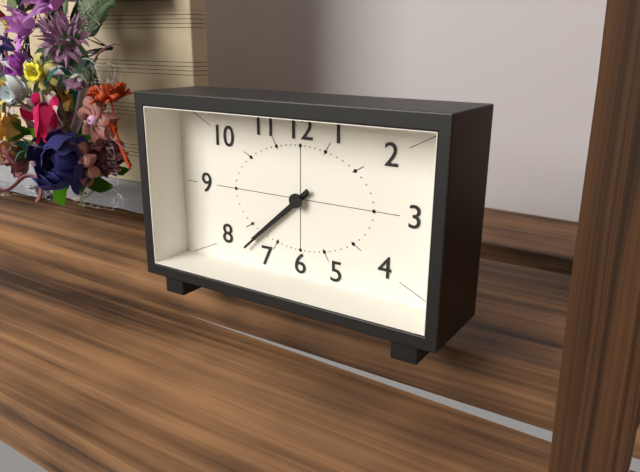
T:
**7:38**
